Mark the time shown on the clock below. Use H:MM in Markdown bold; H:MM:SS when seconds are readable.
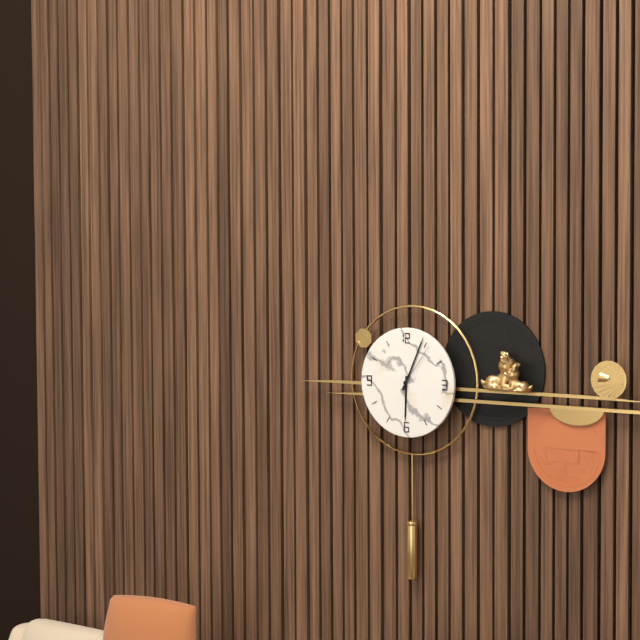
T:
**6:04:06**
